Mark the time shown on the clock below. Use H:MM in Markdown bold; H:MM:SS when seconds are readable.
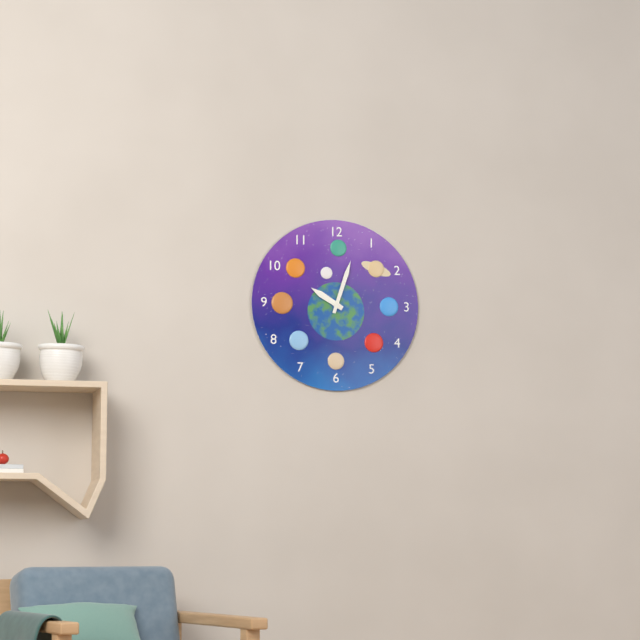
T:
**10:03**
